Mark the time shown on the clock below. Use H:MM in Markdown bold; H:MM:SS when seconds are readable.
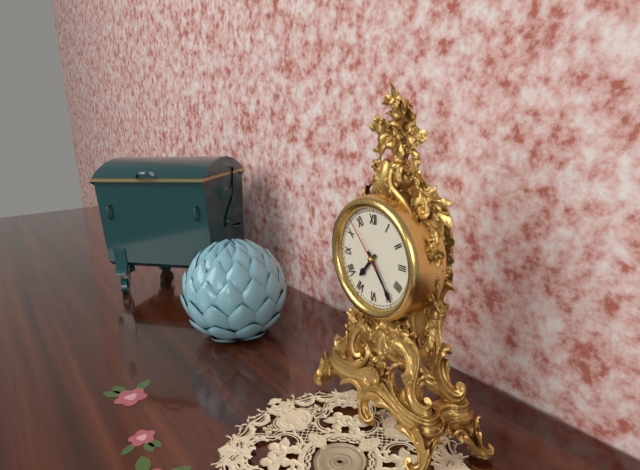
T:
**7:24:53**
